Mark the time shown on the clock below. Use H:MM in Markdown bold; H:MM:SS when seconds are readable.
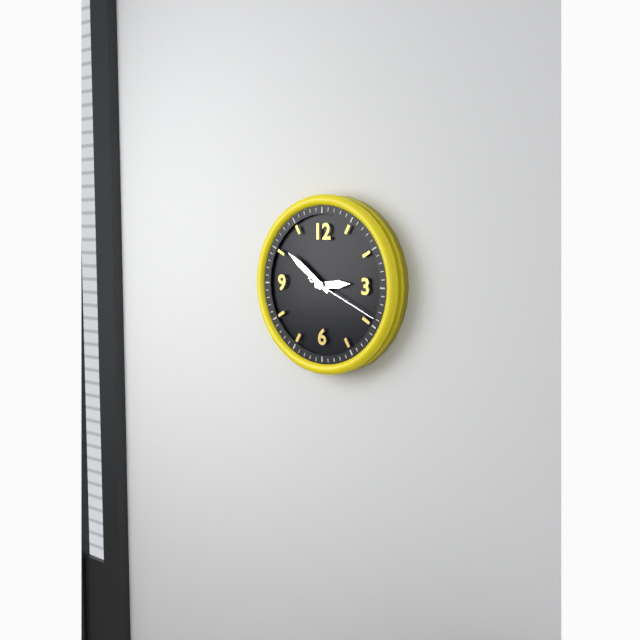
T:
**2:51:19**
